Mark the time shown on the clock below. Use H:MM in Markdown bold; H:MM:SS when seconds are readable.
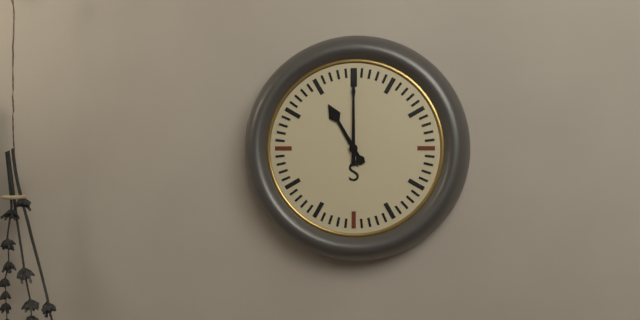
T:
**11:00**
